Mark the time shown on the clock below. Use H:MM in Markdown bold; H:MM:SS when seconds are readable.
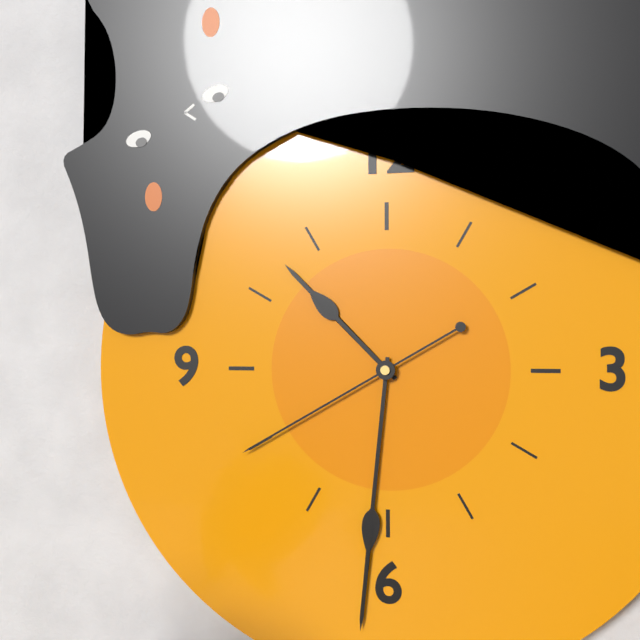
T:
**10:31:40**
